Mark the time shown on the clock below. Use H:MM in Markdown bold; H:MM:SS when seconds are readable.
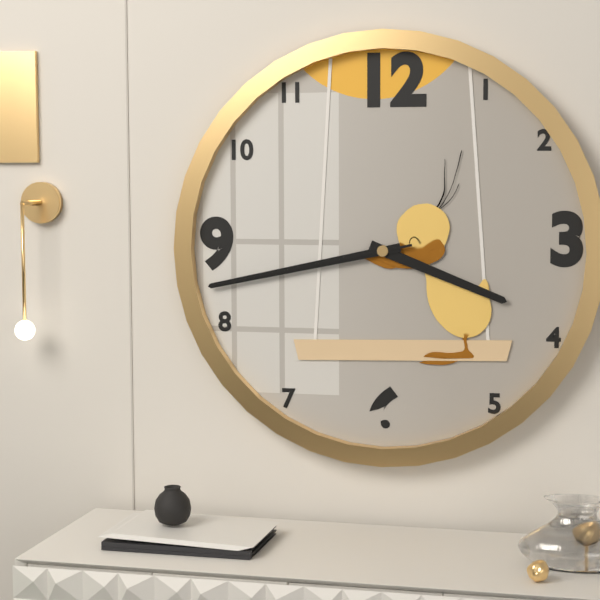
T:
**3:43:43**
